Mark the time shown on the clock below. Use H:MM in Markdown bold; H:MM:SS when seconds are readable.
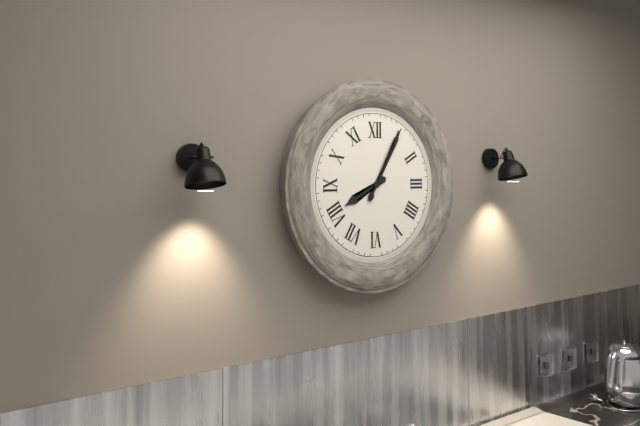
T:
**8:05**
